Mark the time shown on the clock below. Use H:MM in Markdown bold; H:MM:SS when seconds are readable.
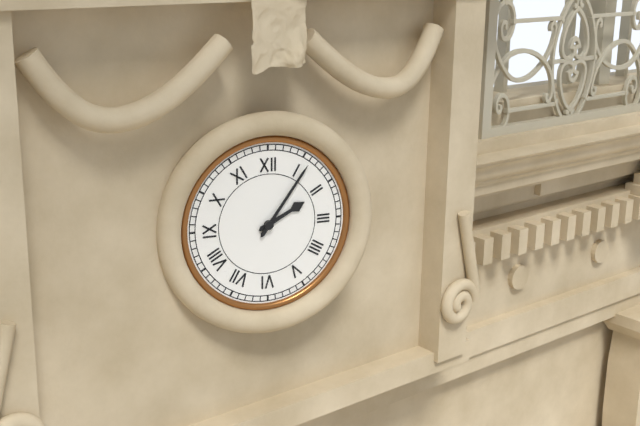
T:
**2:06**
